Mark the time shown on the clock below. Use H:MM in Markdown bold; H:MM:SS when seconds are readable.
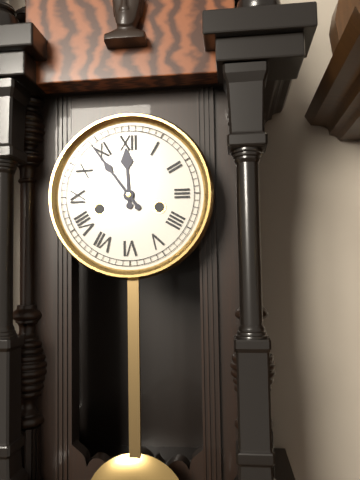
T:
**11:54**
